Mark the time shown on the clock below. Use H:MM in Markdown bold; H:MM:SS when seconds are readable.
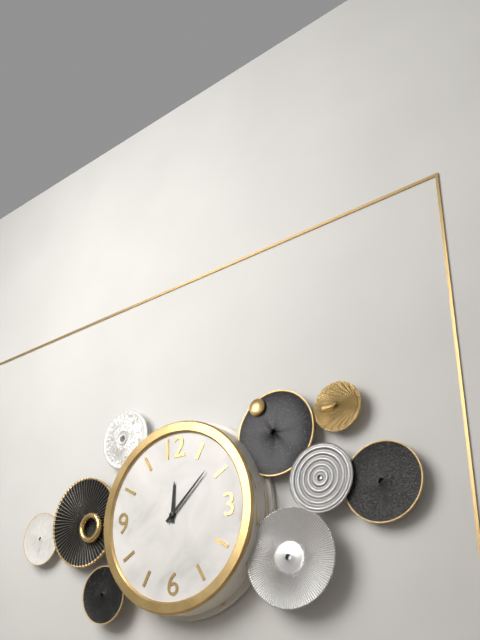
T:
**12:08**
